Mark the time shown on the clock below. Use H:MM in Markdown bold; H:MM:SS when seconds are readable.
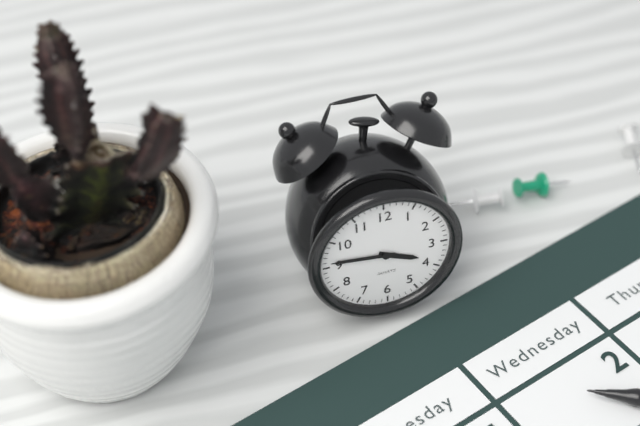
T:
**3:46**
